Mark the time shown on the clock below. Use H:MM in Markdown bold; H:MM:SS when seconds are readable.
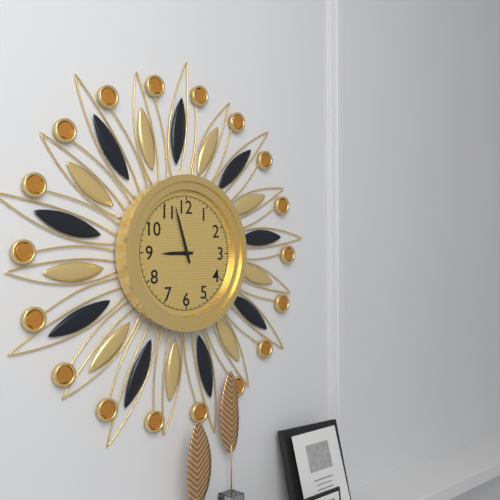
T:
**8:57**
